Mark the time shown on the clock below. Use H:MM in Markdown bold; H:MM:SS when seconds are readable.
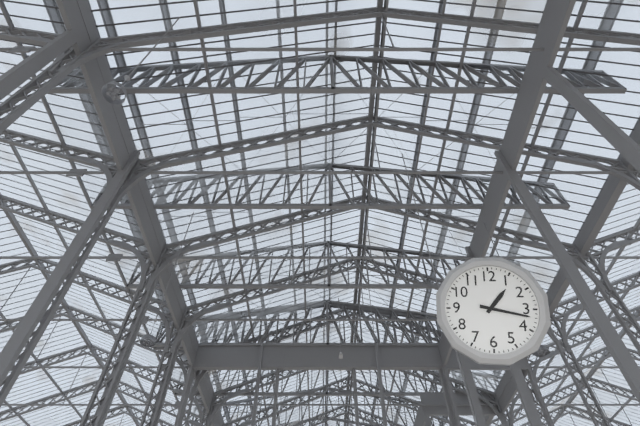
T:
**1:17**
